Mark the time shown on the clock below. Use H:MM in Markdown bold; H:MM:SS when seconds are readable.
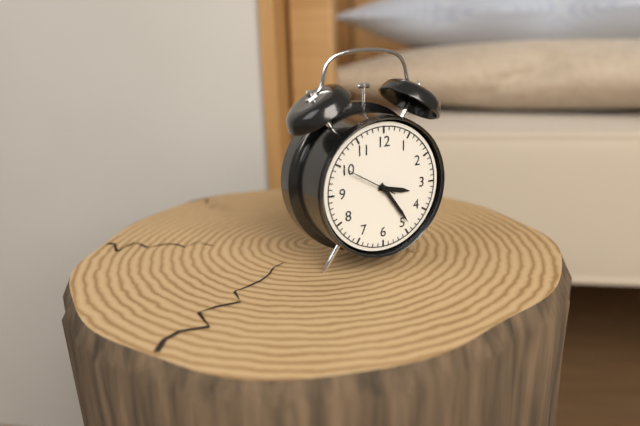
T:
**3:24:50**
